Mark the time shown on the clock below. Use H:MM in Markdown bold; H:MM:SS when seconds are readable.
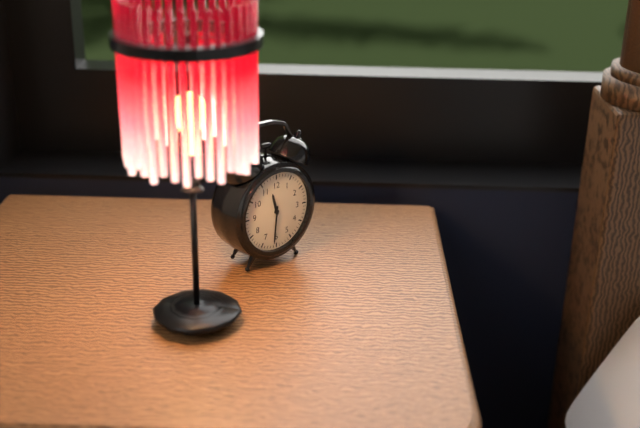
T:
**11:31**
